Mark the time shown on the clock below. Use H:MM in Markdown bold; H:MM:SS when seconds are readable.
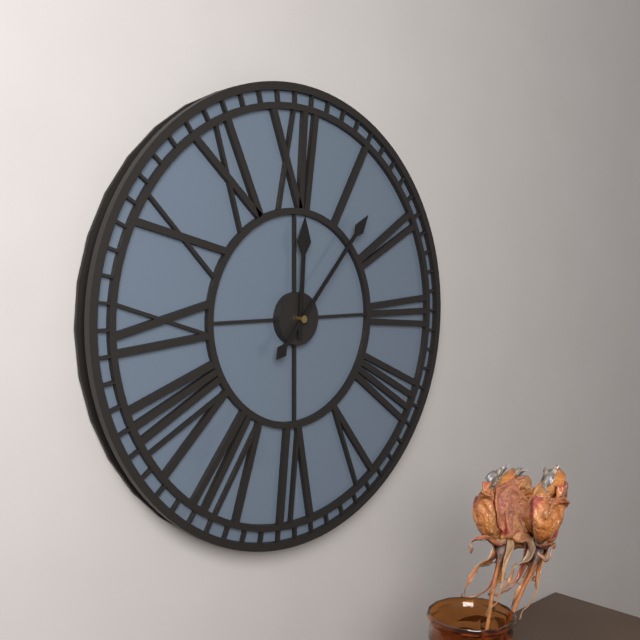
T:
**12:07**
